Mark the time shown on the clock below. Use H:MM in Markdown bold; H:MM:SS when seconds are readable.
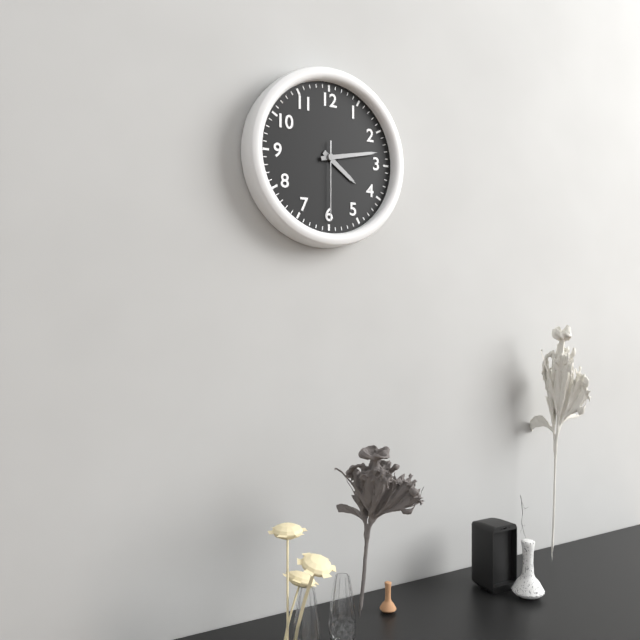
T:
**4:13:30**
